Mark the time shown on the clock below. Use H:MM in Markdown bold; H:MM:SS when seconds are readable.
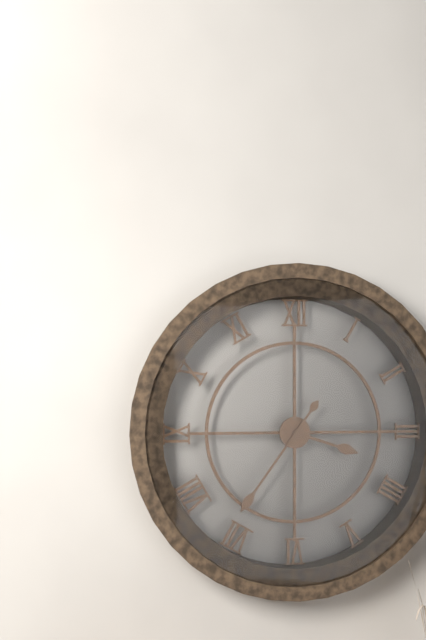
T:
**3:36**
